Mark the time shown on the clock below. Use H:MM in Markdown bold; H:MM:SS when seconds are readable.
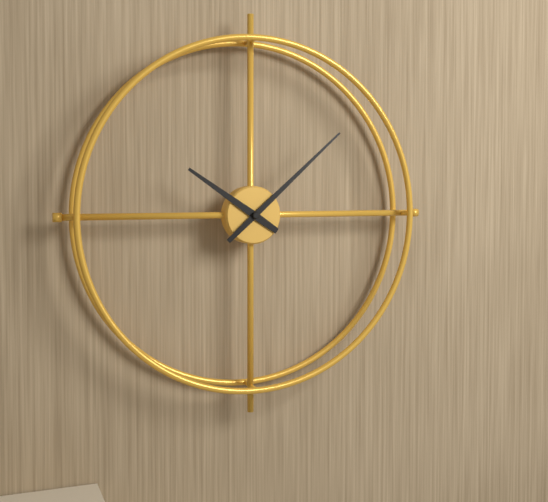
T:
**10:08**
